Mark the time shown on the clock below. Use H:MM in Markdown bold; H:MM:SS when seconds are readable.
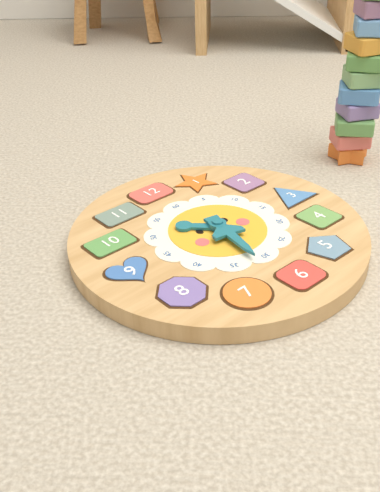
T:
**10:32**
